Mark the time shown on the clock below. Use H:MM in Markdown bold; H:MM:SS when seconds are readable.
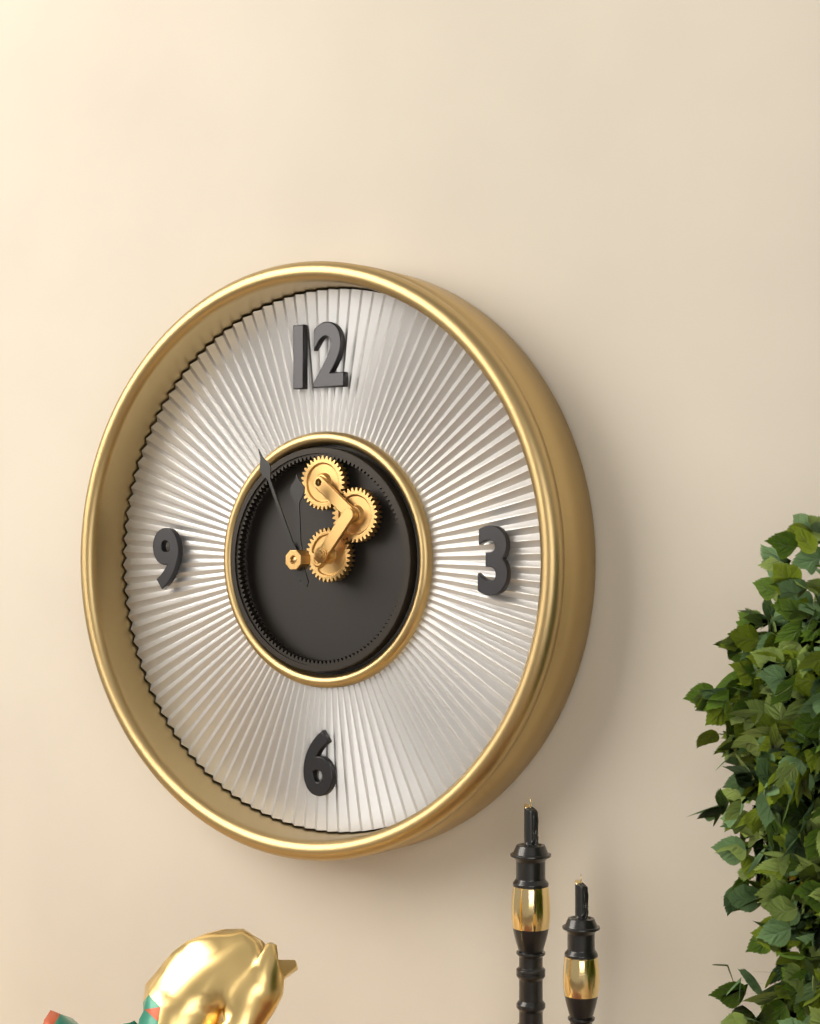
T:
**11:56**
